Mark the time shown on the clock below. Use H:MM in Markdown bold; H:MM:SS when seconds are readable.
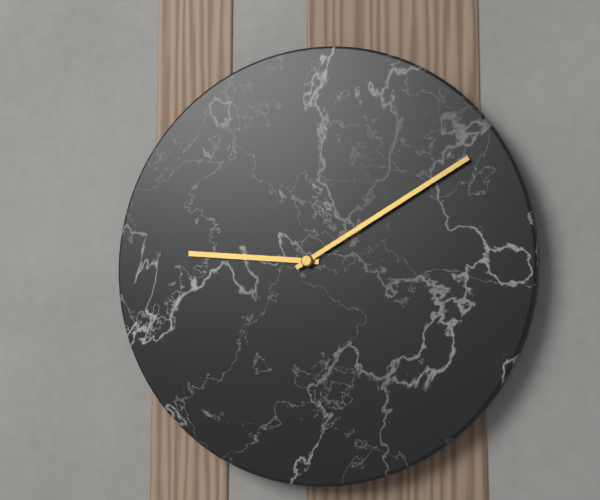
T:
**9:10**
